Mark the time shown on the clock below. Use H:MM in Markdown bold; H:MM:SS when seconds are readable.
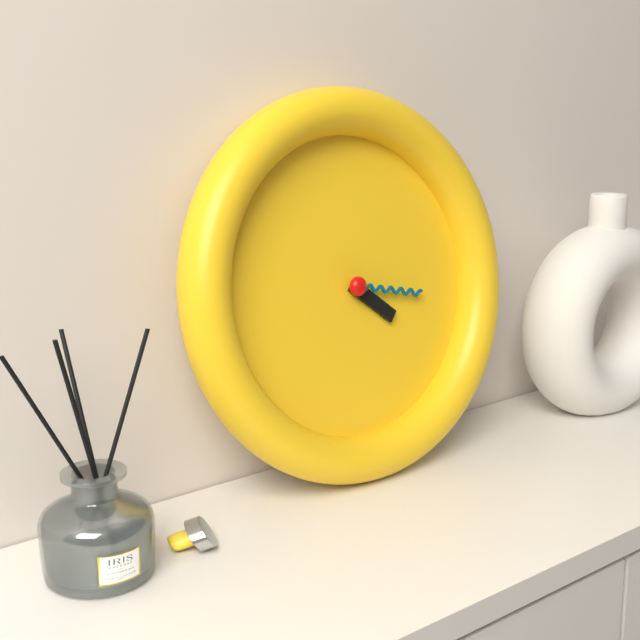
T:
**4:17**
